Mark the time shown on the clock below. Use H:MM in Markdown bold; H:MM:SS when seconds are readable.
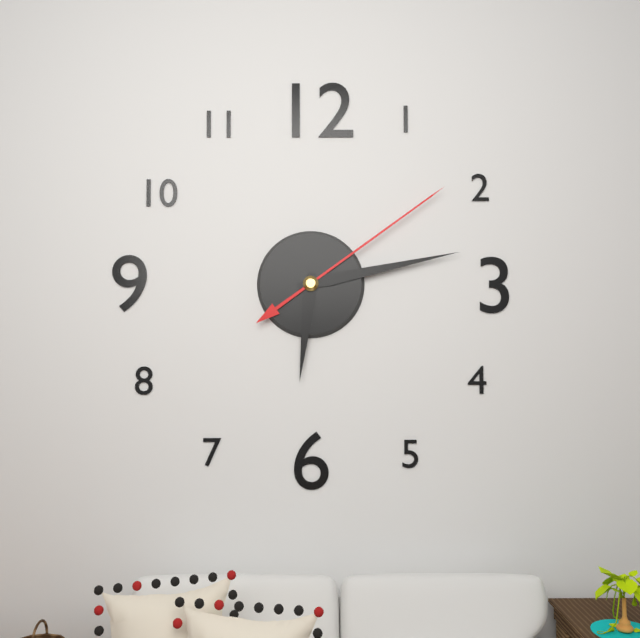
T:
**6:13:09**
